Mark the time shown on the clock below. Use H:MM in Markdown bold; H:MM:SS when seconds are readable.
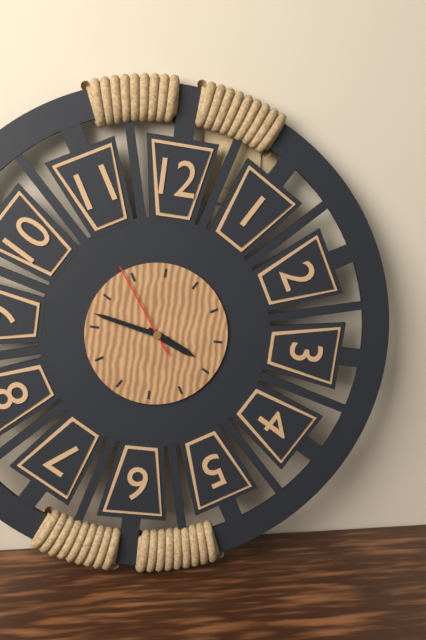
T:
**3:47:54**
